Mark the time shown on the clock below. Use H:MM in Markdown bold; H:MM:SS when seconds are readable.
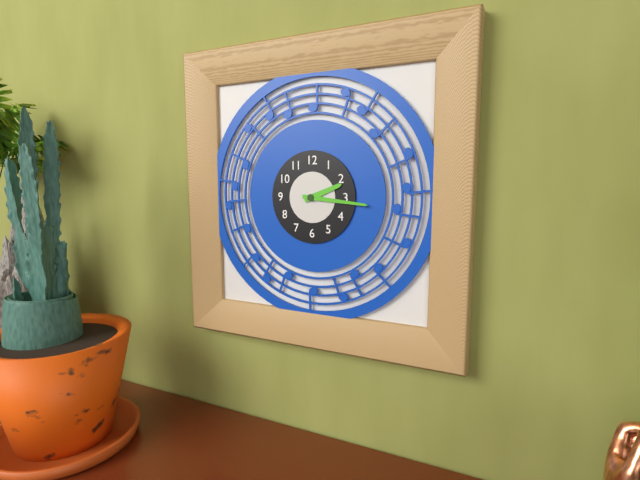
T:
**2:16**
